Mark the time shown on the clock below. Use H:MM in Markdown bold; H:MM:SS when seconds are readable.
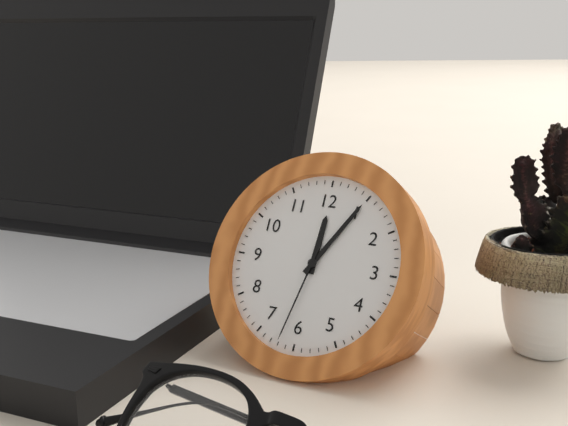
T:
**12:05:32**
